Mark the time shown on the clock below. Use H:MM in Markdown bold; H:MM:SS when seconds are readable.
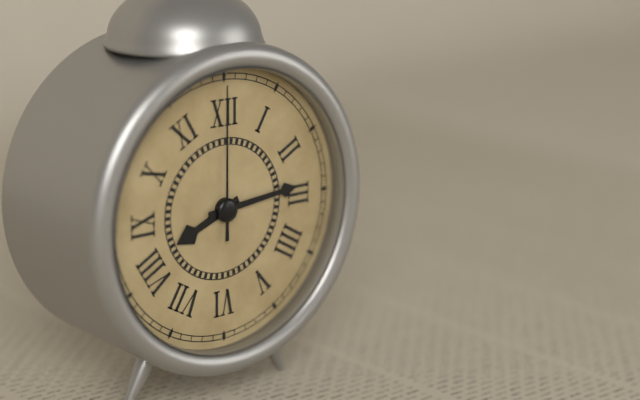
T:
**8:14:00**
